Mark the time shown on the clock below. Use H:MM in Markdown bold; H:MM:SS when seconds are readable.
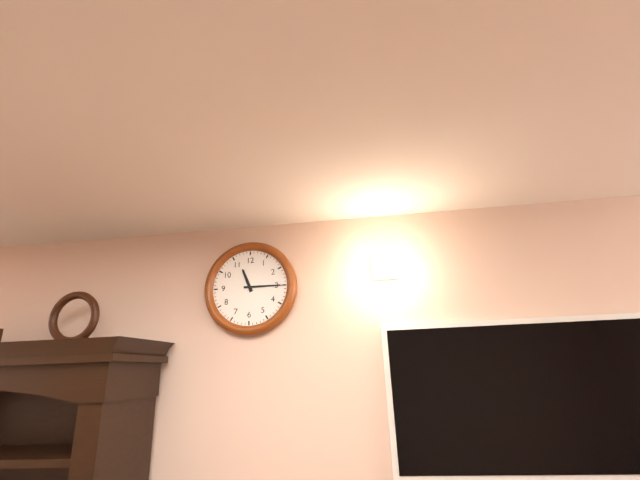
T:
**11:15**
